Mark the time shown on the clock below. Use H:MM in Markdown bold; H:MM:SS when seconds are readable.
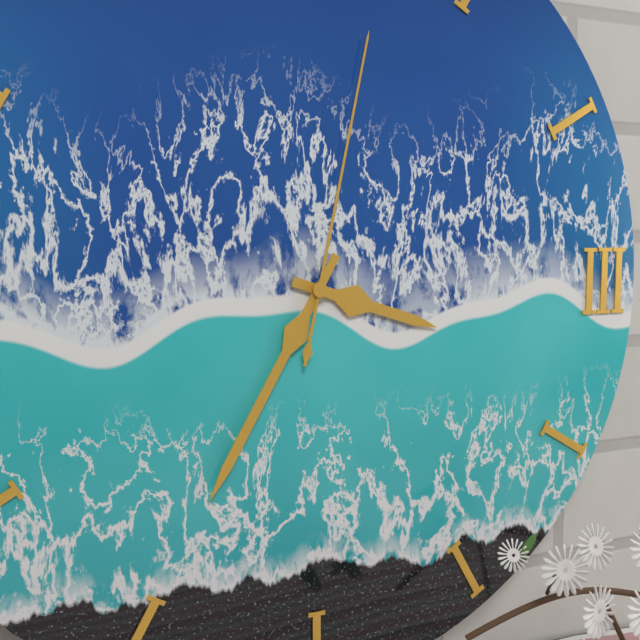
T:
**3:35:02**
